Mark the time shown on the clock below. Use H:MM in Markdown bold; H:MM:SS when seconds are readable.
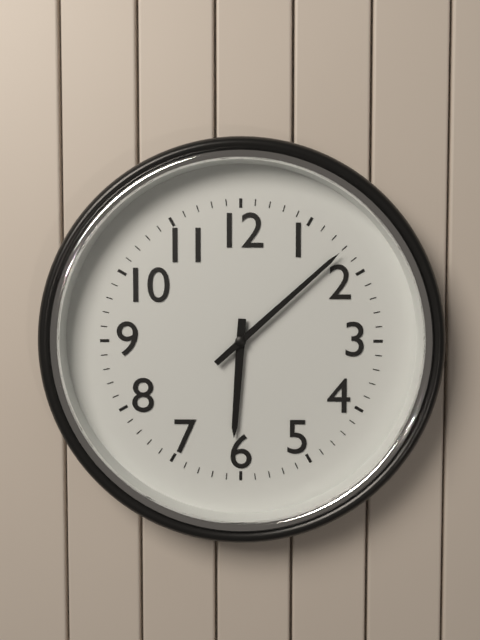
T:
**6:08**
